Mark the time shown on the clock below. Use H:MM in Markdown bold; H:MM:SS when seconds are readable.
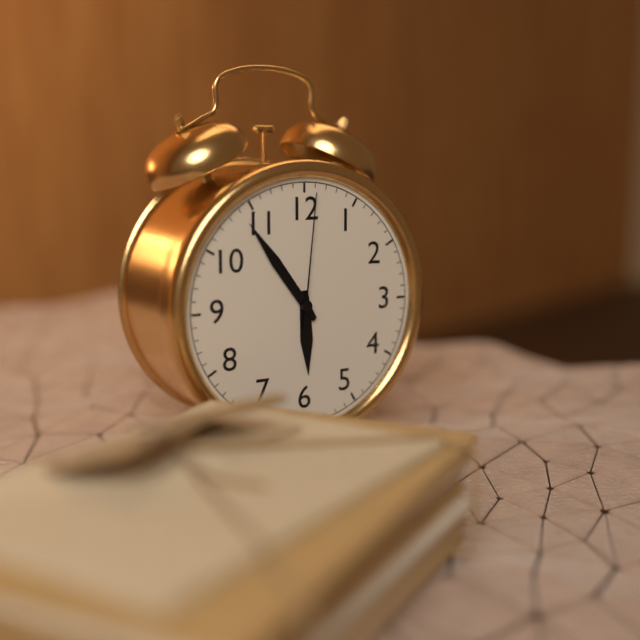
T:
**5:54:01**
